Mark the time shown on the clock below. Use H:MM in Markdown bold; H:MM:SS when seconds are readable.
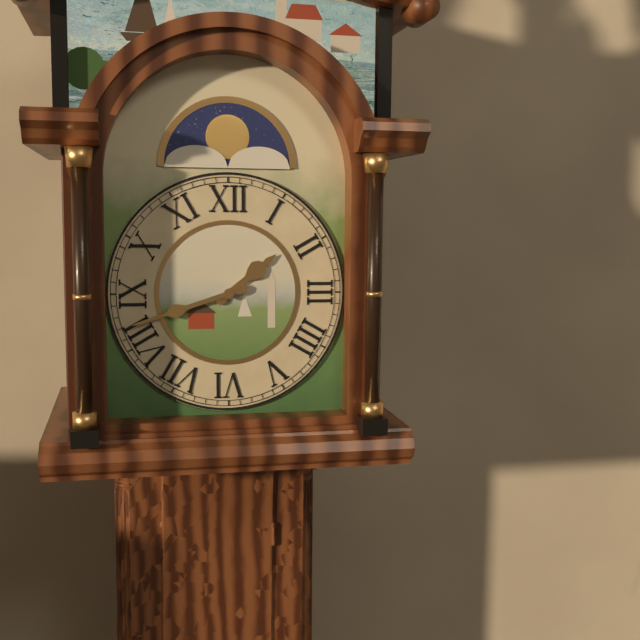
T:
**1:42**
